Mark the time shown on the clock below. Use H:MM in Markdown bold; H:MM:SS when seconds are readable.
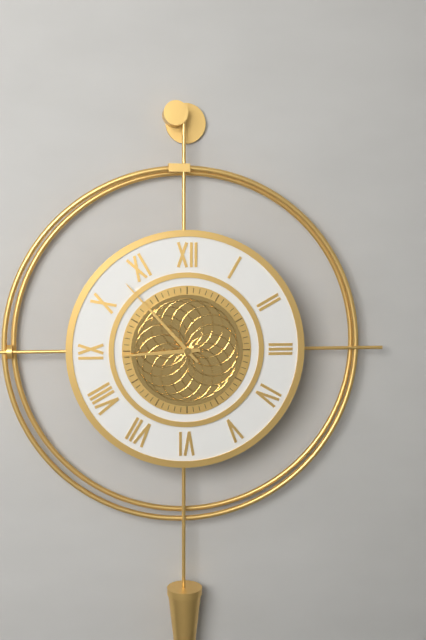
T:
**8:53**
